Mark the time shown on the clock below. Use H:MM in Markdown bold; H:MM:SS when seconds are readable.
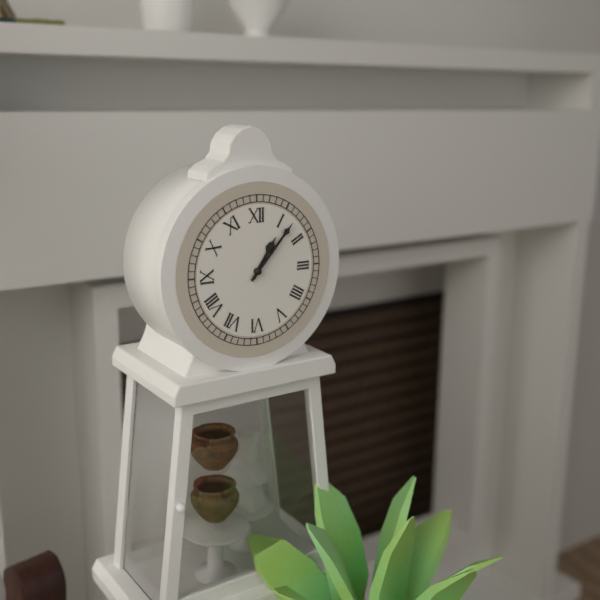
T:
**1:07**
